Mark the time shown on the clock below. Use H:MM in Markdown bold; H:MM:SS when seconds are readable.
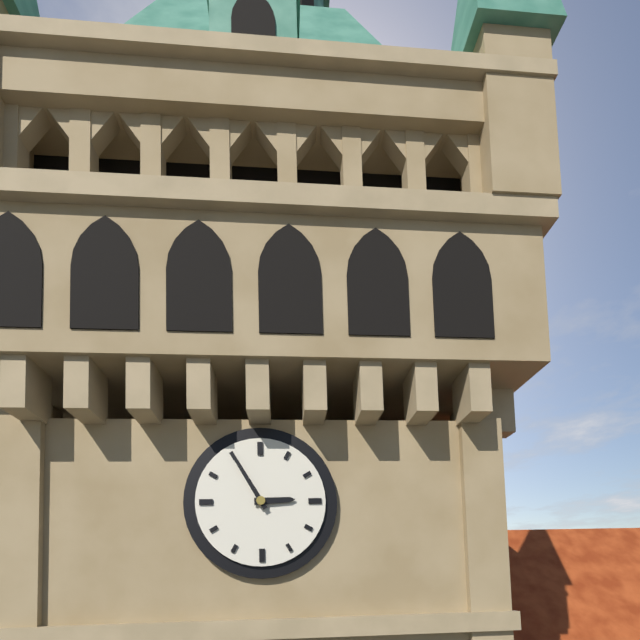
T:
**2:55**
